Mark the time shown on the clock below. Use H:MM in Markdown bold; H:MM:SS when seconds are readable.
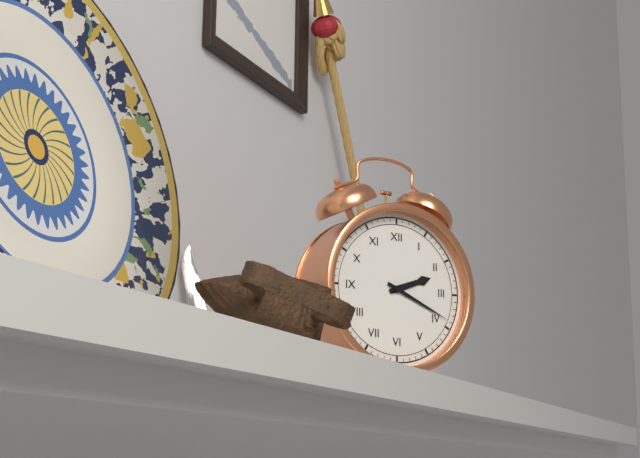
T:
**2:19**
